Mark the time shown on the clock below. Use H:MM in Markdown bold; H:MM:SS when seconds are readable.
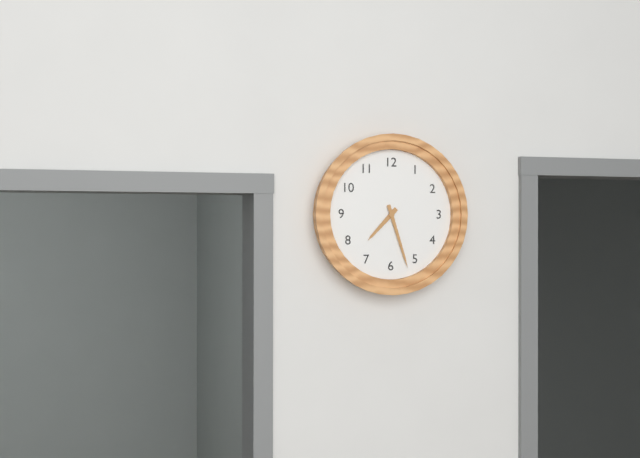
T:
**7:27**
